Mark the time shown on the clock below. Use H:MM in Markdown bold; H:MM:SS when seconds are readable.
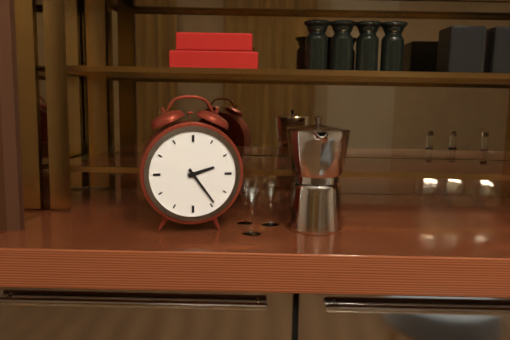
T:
**2:24**
